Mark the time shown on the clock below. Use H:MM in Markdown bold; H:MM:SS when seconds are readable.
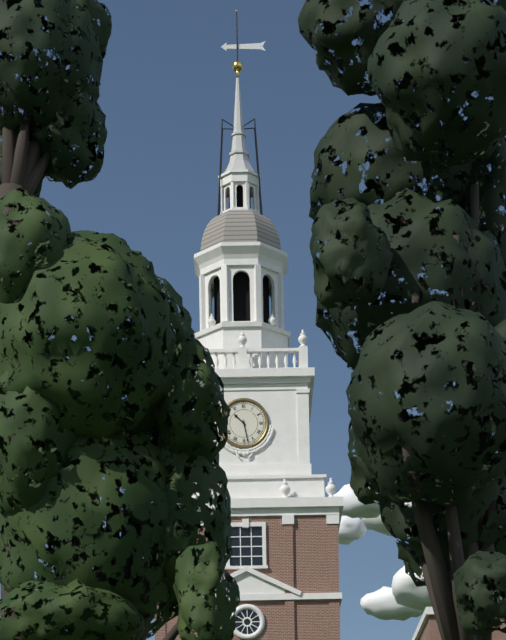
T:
**10:28**
